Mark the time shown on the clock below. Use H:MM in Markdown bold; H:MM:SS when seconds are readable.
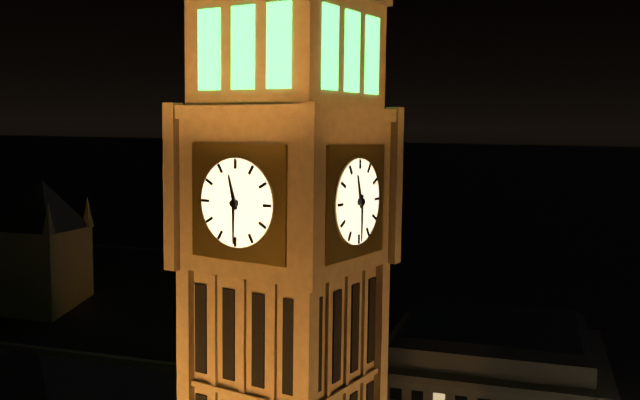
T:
**11:30**
